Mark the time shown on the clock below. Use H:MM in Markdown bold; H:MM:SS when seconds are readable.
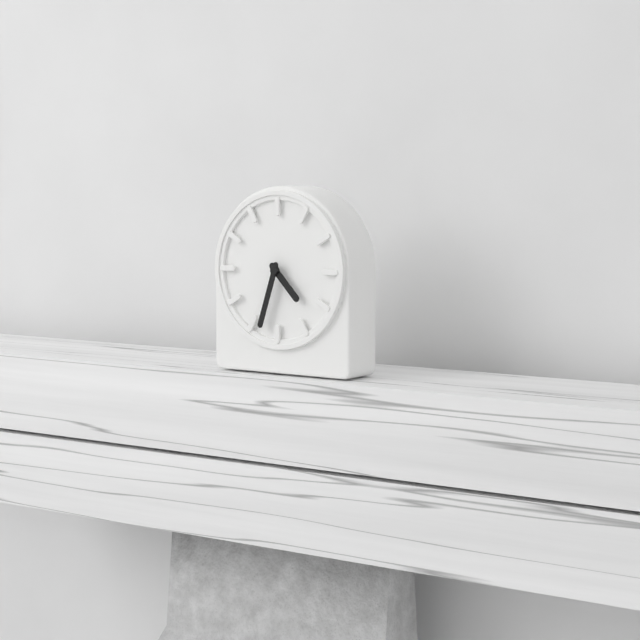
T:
**4:33**
